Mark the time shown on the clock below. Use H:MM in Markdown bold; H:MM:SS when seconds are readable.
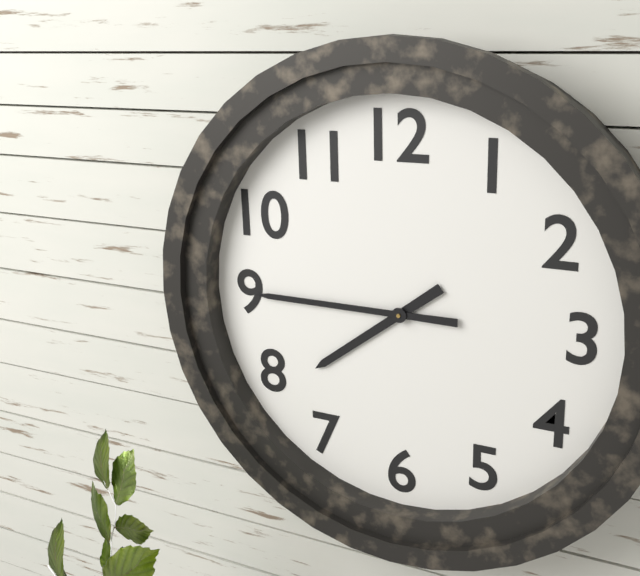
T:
**7:45**
